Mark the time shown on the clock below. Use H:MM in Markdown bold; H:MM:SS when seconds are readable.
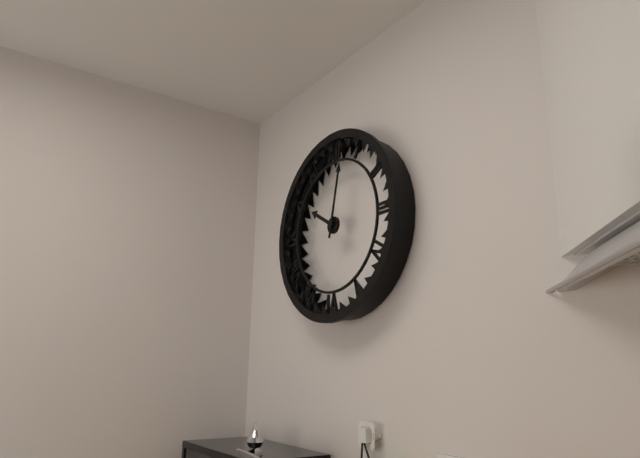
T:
**10:02**
